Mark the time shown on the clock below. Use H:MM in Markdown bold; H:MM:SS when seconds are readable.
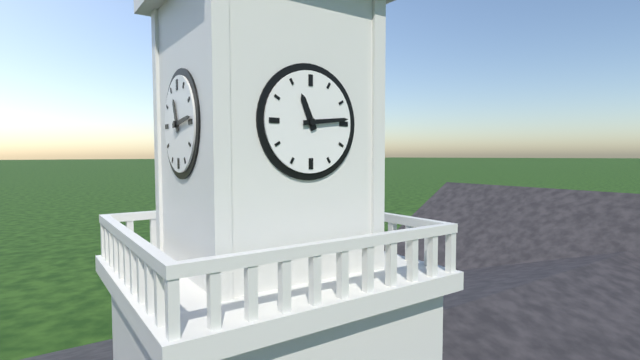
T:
**11:14**
